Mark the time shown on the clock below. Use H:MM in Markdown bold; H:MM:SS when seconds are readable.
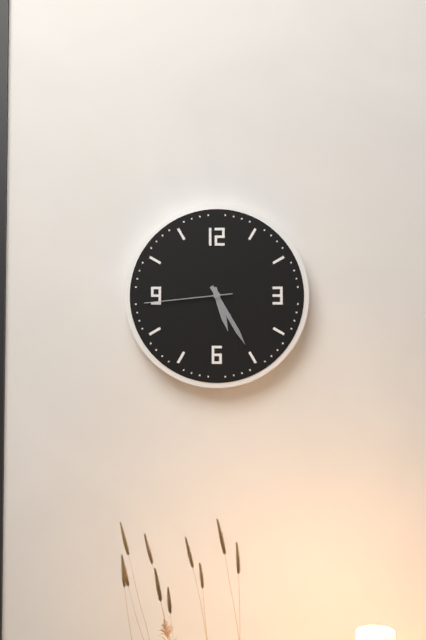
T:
**5:25:44**
